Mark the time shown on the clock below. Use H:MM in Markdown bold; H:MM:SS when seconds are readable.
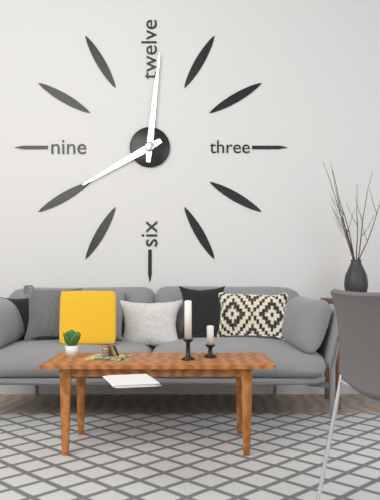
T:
**8:01**
